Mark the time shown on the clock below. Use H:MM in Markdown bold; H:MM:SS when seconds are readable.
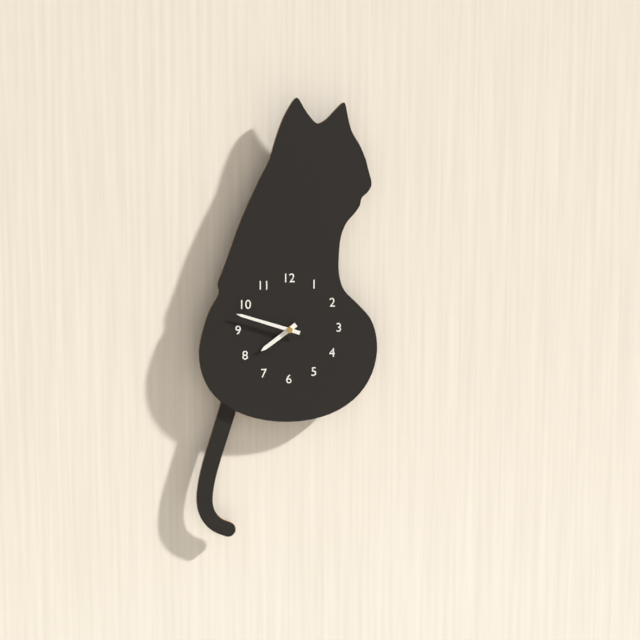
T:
**7:48**
